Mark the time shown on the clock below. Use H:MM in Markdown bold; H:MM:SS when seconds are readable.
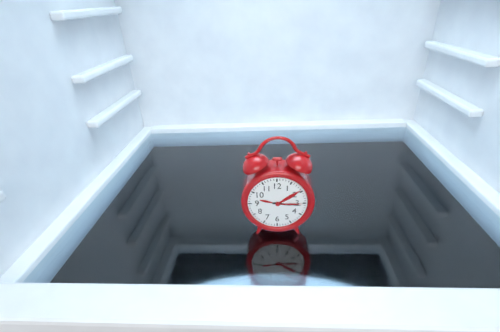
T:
**3:16**
